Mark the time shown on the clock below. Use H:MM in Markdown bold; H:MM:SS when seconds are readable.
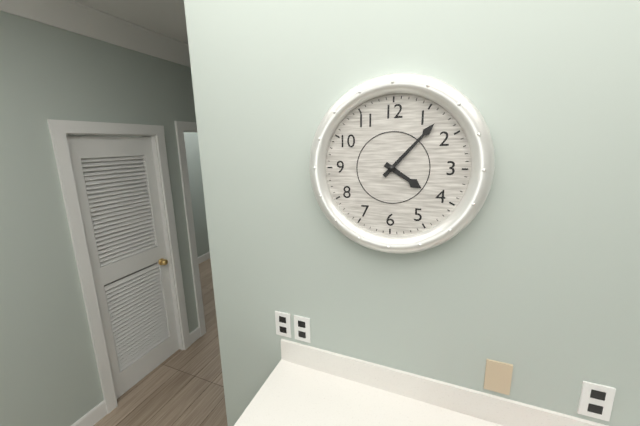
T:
**4:07**
